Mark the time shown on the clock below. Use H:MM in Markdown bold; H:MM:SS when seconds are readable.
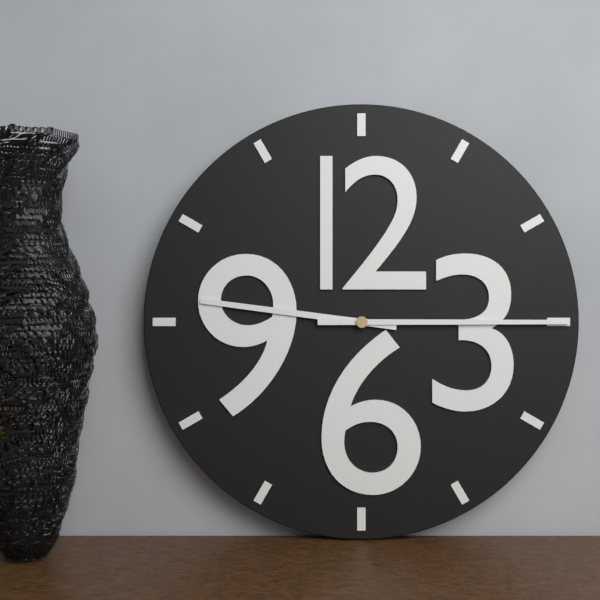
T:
**9:15**
